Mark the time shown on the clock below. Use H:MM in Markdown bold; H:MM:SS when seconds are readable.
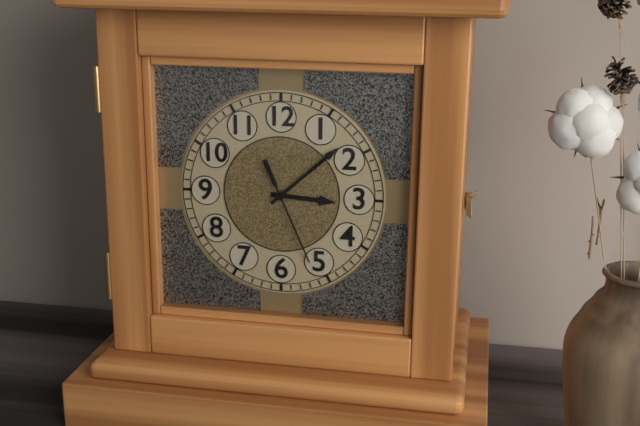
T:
**3:08:26**
